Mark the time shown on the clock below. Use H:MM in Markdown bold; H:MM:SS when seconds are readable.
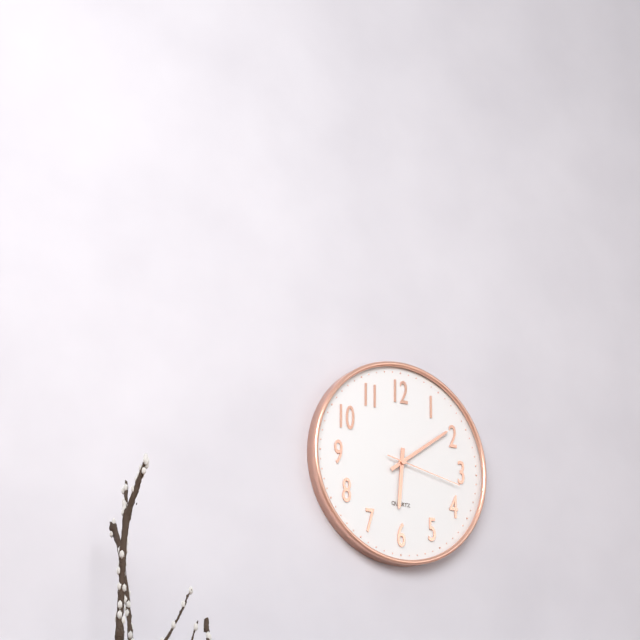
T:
**6:09:17**
